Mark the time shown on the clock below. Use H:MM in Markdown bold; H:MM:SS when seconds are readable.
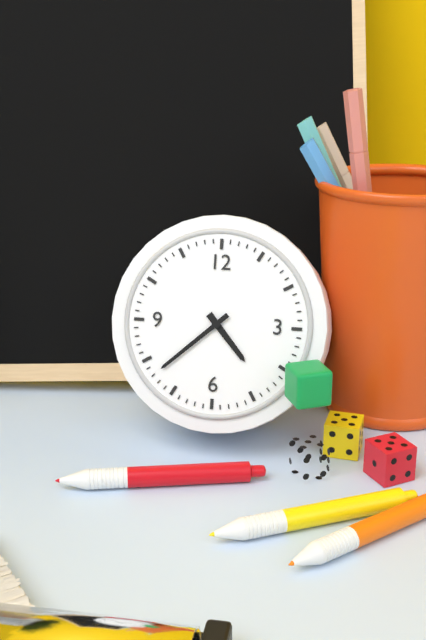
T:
**4:38**
